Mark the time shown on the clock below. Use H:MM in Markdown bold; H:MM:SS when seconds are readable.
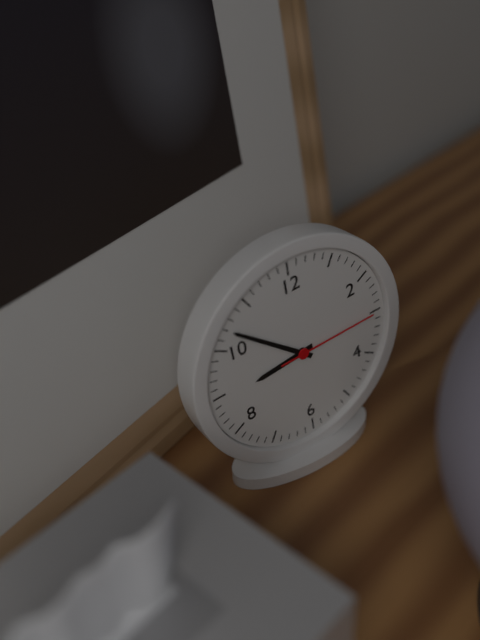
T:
**8:52:15**
